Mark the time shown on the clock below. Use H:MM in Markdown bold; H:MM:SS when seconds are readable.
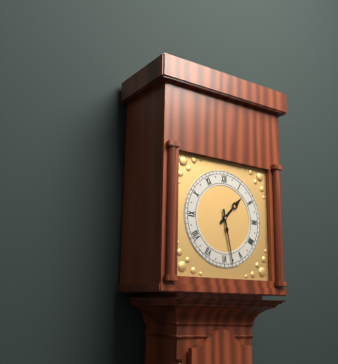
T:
**1:28**
